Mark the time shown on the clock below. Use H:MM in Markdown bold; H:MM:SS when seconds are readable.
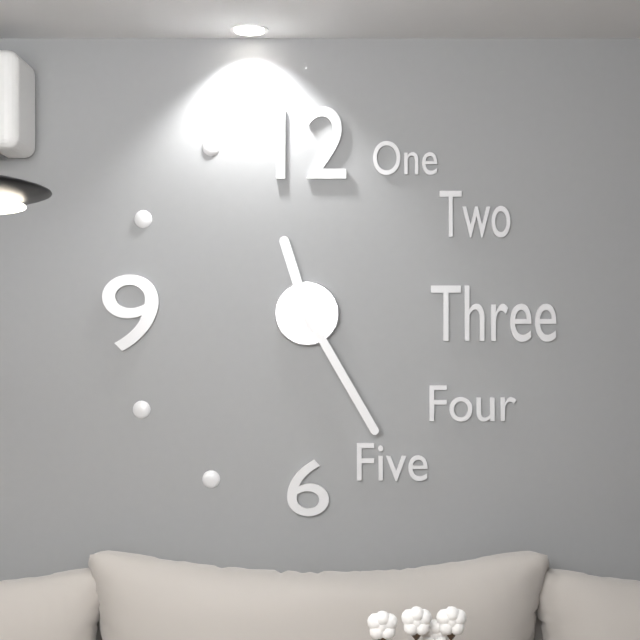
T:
**11:25**
